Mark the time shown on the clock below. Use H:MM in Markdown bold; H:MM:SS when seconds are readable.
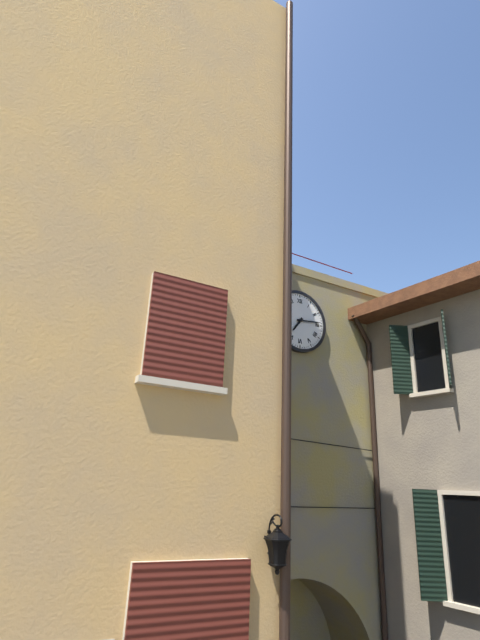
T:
**7:14**
